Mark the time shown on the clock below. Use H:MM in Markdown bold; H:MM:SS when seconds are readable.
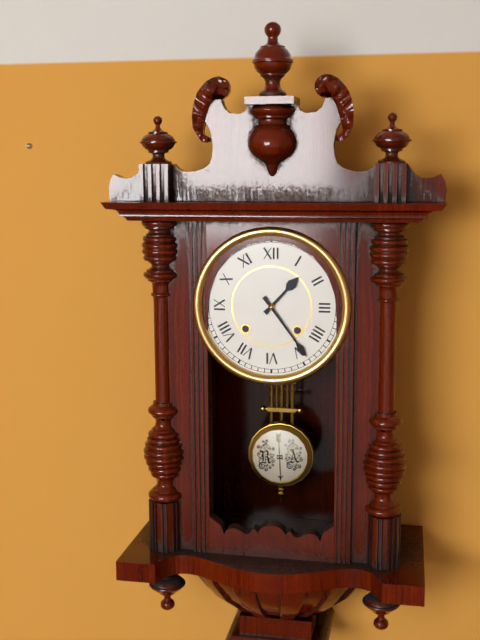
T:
**1:24**
